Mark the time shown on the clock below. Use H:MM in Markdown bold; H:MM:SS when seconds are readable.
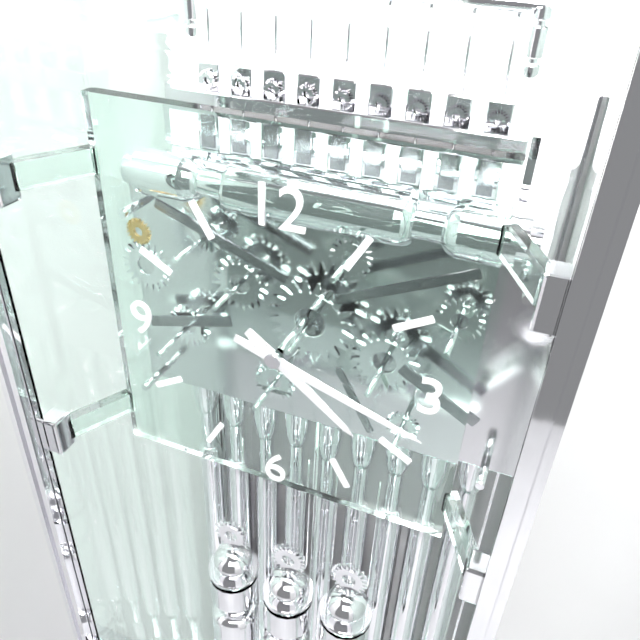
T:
**4:18**
